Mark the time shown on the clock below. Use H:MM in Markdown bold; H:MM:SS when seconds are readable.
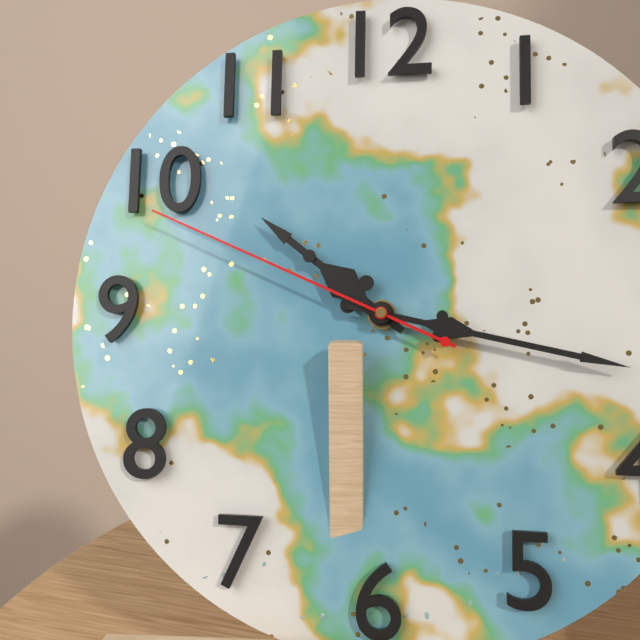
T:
**10:17:49**
